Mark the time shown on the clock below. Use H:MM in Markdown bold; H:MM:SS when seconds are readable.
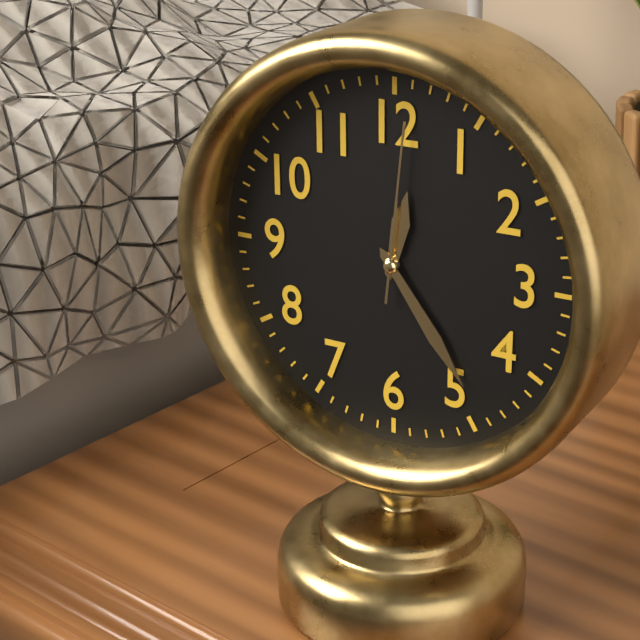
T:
**12:24:01**
